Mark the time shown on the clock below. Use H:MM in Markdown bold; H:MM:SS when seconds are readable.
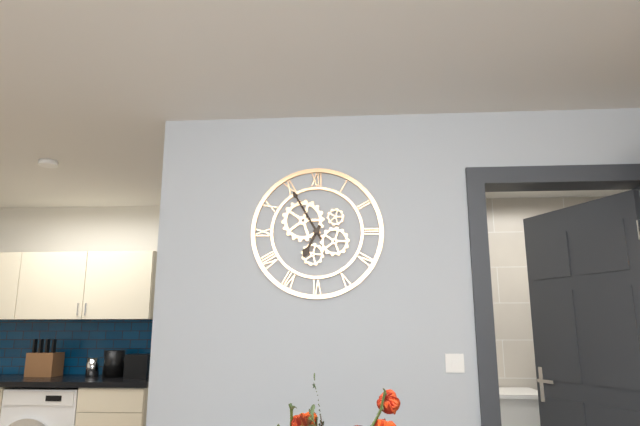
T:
**6:55**
